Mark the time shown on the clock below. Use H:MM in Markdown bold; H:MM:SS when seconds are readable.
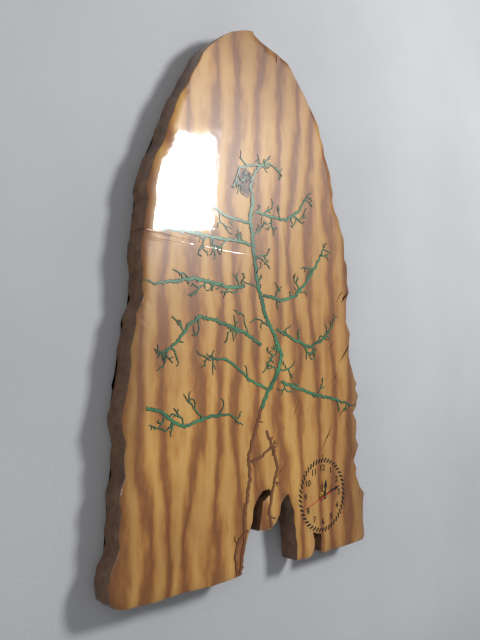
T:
**12:12**
